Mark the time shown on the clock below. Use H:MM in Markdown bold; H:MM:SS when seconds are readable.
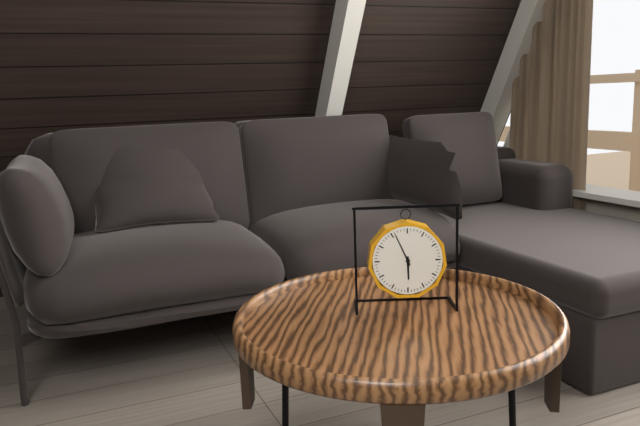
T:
**5:56**
